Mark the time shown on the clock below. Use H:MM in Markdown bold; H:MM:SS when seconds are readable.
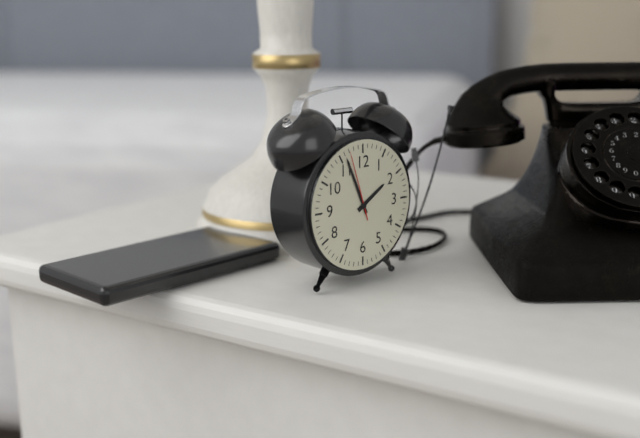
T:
**1:56:57**
